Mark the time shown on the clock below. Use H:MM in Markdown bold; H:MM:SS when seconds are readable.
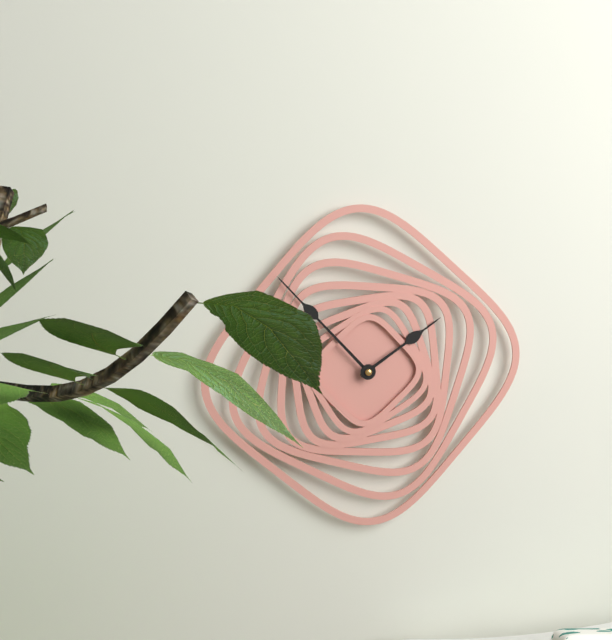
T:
**1:53**
